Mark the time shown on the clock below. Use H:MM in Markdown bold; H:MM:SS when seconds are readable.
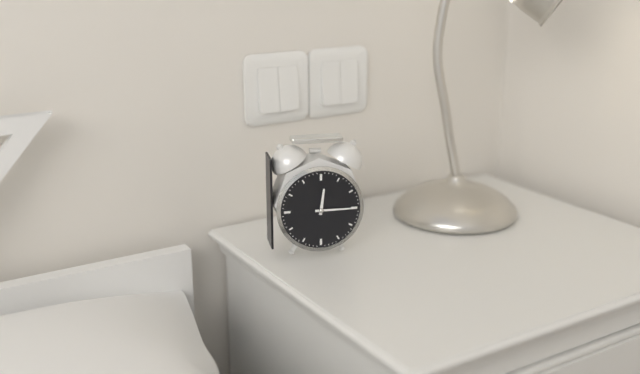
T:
**12:15**
